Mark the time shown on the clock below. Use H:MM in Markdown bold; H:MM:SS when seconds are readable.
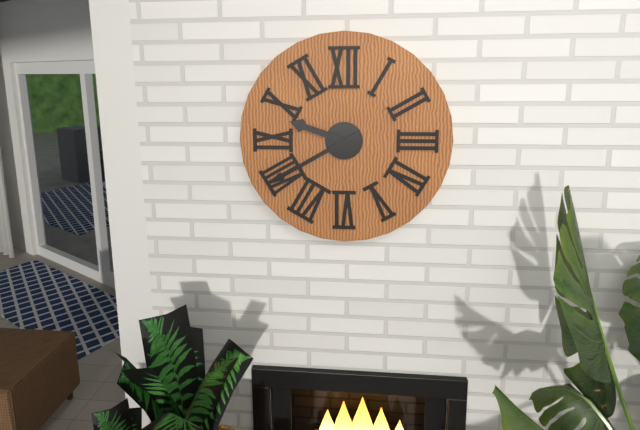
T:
**9:40**
